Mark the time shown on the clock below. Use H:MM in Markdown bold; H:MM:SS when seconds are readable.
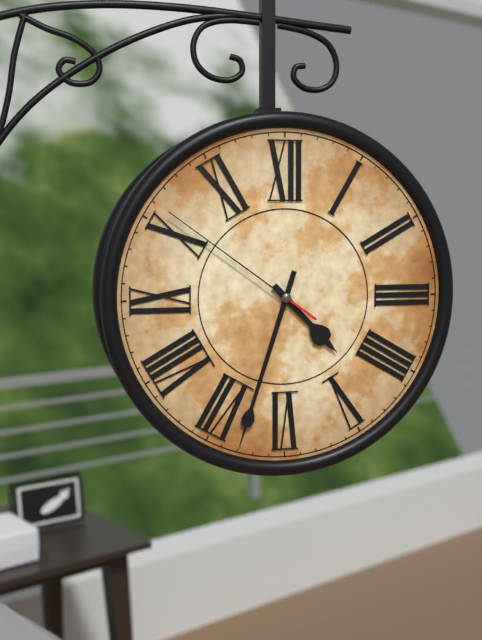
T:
**4:33:51**
